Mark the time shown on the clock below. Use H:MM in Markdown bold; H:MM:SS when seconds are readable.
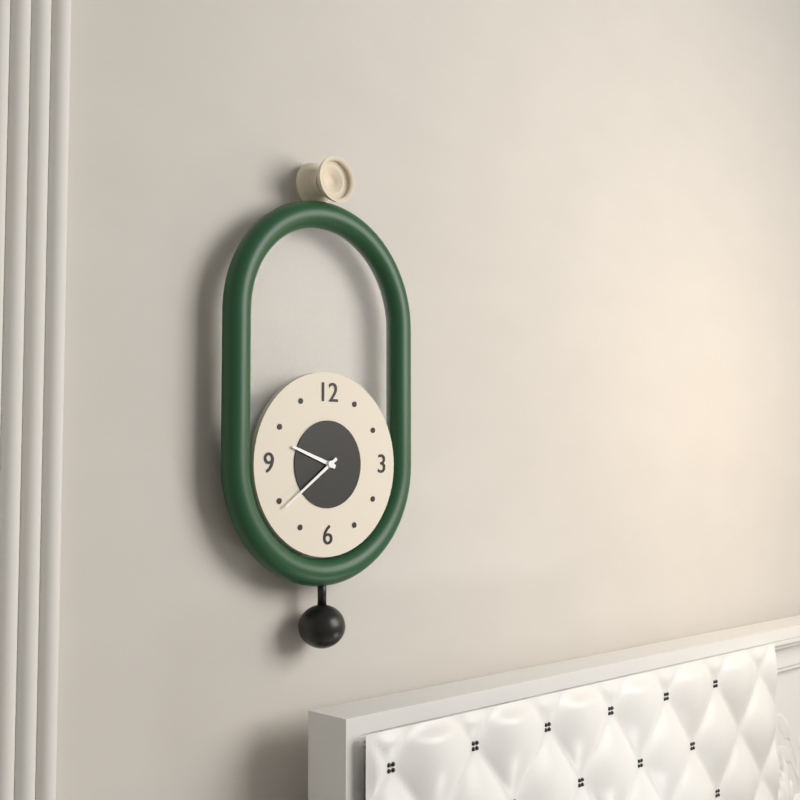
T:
**9:39**
